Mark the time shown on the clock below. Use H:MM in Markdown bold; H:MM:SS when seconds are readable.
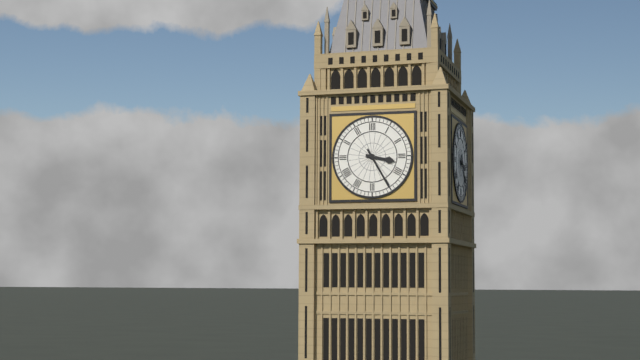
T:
**3:25**
